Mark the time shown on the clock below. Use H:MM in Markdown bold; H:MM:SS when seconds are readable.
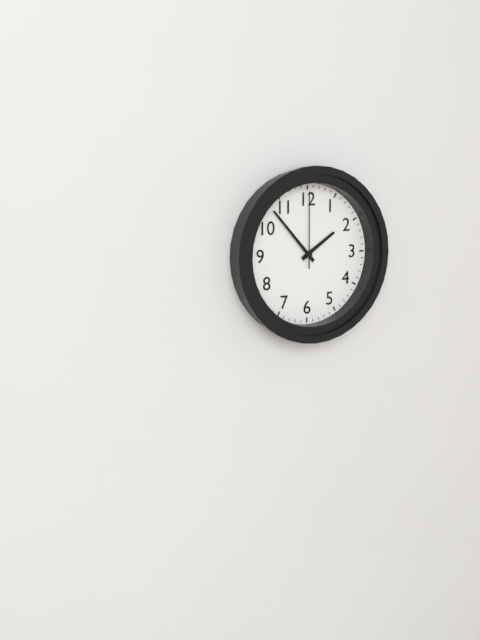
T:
**1:53:00**
